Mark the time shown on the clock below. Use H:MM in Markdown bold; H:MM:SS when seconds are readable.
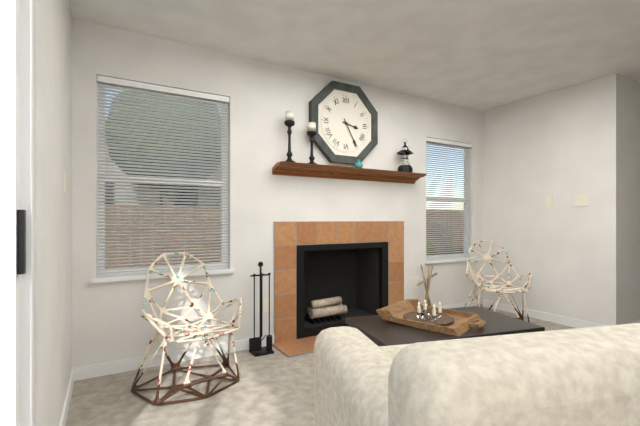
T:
**3:25**
